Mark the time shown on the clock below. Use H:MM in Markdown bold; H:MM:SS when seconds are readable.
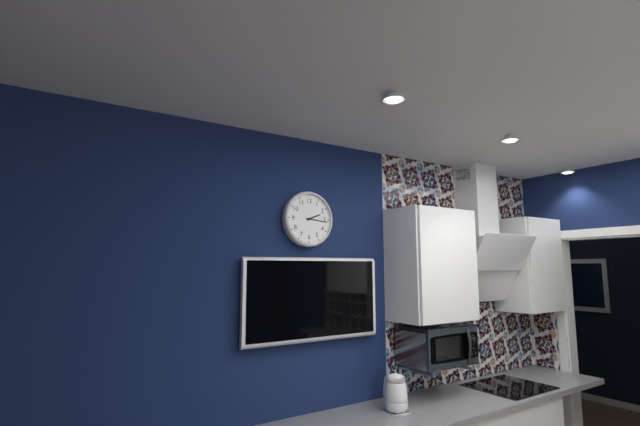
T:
**2:16**
